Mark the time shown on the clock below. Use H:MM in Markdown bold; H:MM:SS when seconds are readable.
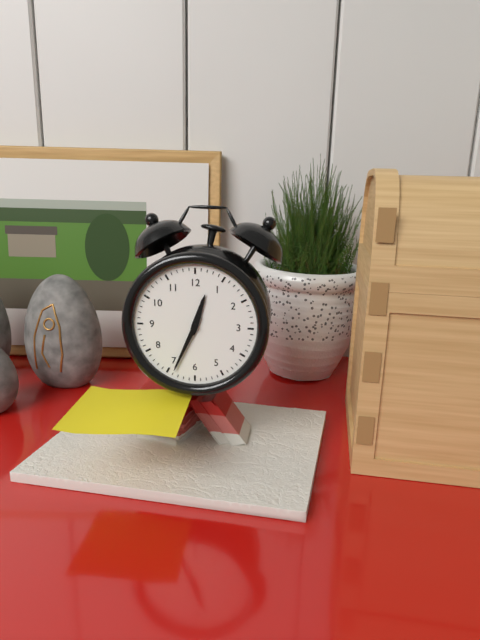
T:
**12:34**
